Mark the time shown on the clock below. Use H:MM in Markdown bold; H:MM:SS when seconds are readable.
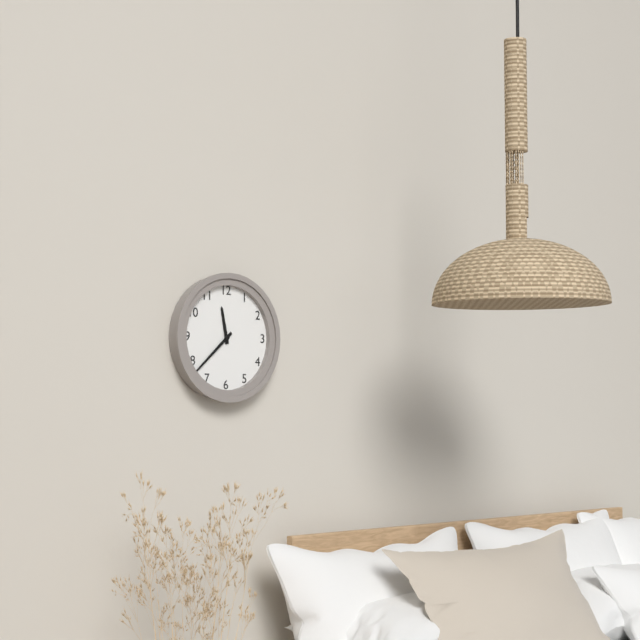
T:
**11:38**
